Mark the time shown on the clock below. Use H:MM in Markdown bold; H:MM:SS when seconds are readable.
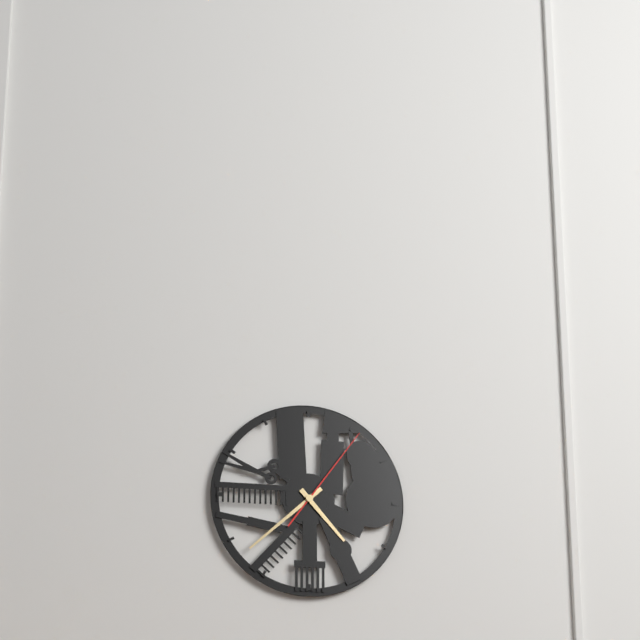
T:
**4:38:06**
